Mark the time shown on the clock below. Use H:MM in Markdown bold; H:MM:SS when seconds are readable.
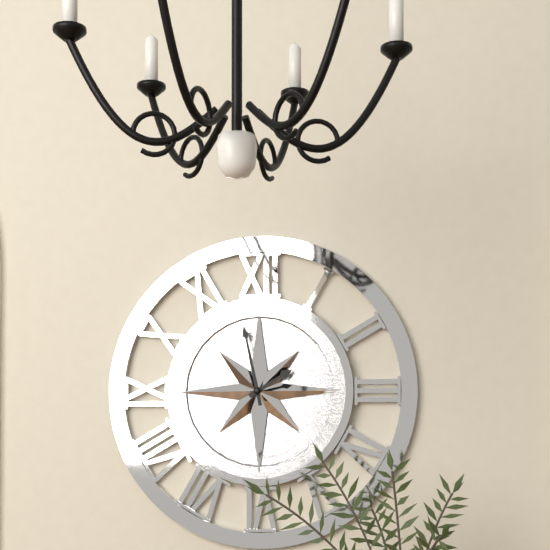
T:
**1:58**
